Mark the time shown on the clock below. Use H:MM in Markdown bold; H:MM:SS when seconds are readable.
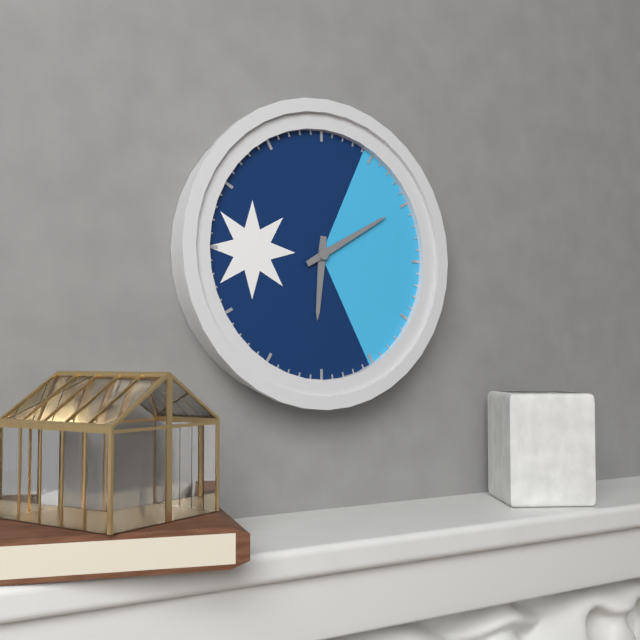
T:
**6:10**
